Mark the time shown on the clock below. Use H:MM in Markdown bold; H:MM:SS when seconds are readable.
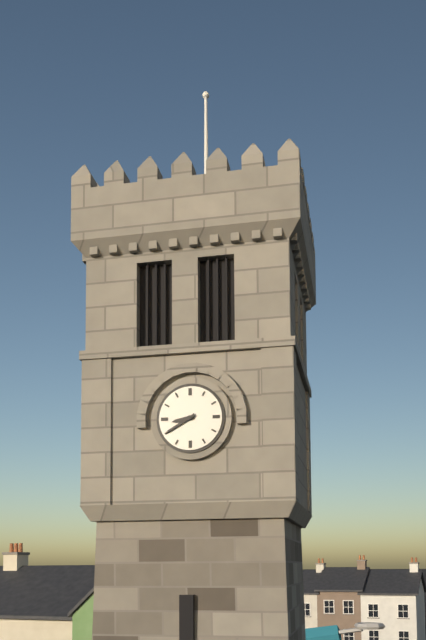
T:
**8:40**
